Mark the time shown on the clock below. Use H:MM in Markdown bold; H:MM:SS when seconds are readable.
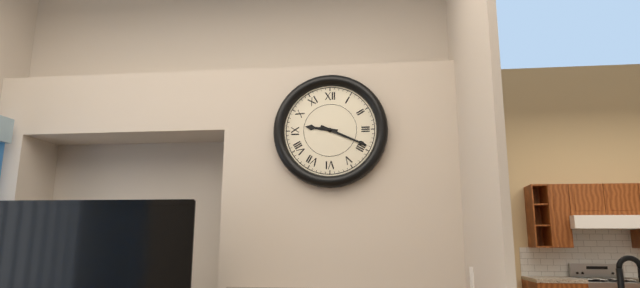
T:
**9:19**
